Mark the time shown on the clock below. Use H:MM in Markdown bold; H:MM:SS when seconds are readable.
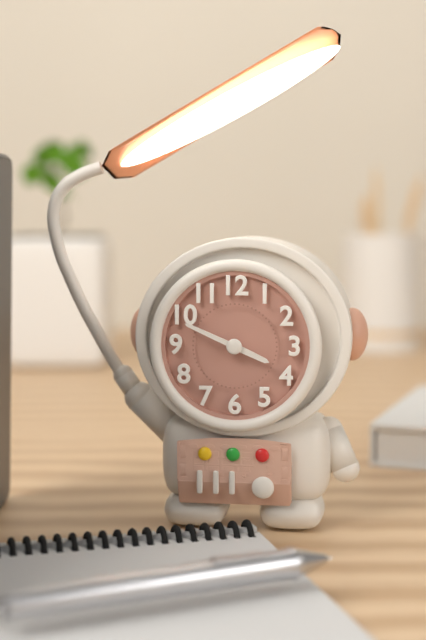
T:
**3:49**
